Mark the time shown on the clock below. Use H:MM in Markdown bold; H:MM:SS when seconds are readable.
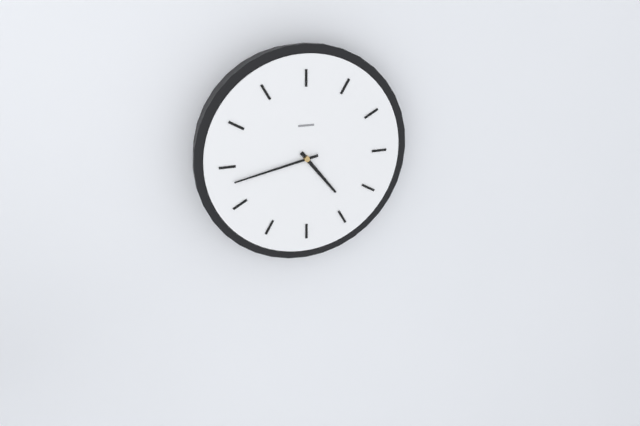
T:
**4:43**
